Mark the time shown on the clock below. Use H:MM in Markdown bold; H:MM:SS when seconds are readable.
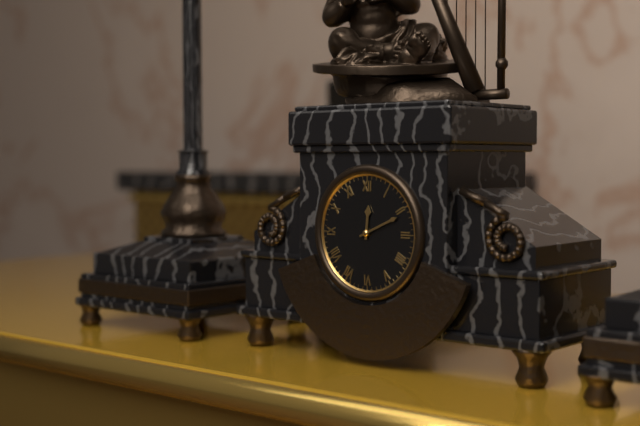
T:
**12:11**
